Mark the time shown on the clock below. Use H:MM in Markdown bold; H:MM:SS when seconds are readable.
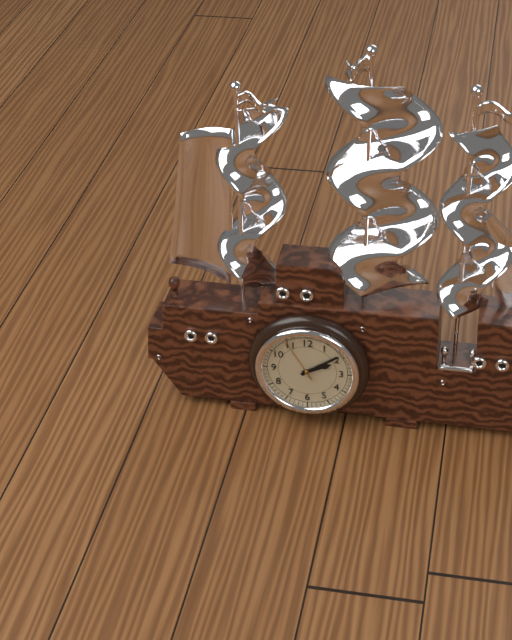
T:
**2:09**
